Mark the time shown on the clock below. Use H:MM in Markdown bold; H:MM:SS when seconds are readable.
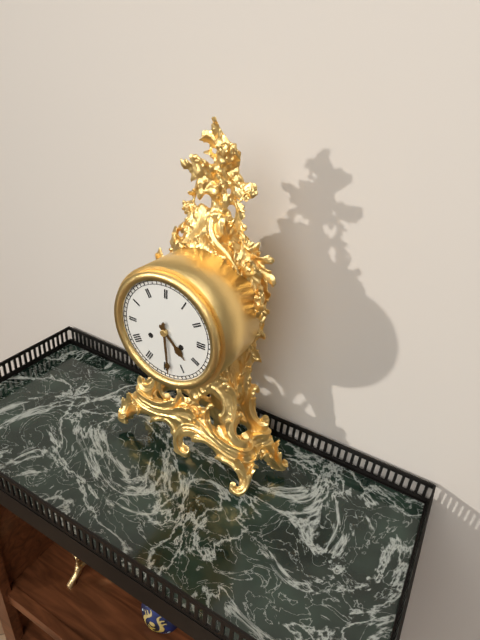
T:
**4:29**
